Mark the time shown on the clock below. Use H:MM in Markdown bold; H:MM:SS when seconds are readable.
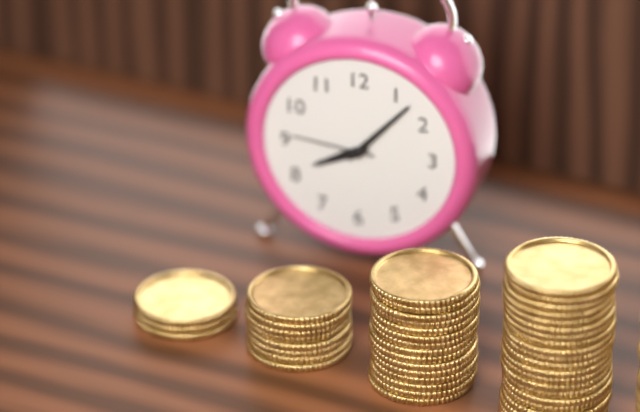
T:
**8:07:46**
